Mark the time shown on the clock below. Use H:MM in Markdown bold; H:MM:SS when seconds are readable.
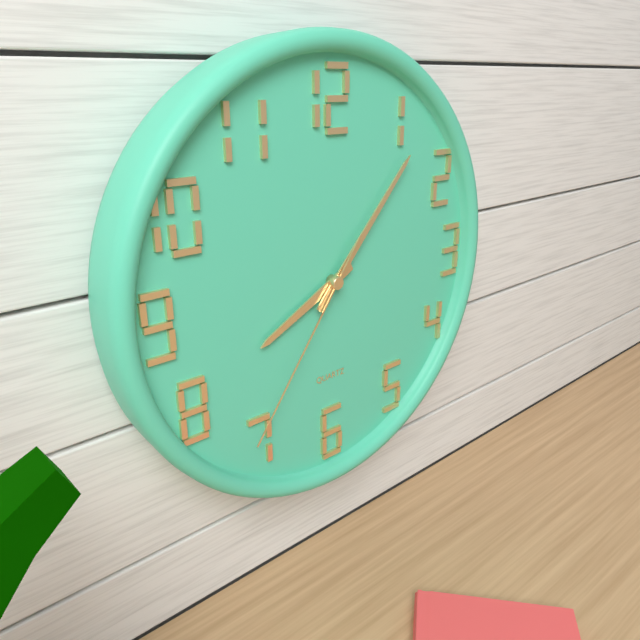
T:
**8:07:36**
